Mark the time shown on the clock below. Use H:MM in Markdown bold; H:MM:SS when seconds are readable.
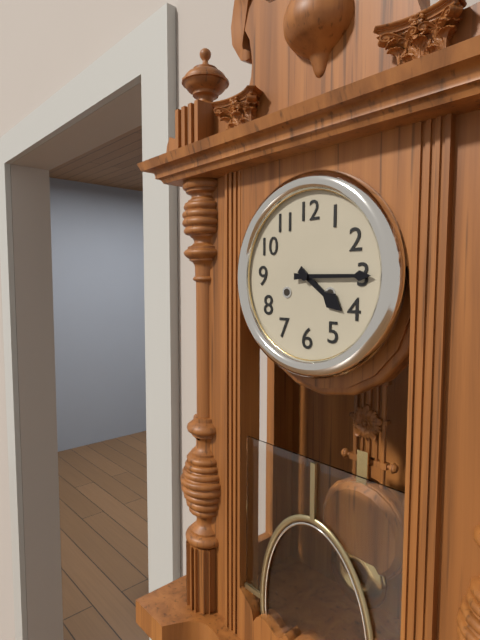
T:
**4:15**
